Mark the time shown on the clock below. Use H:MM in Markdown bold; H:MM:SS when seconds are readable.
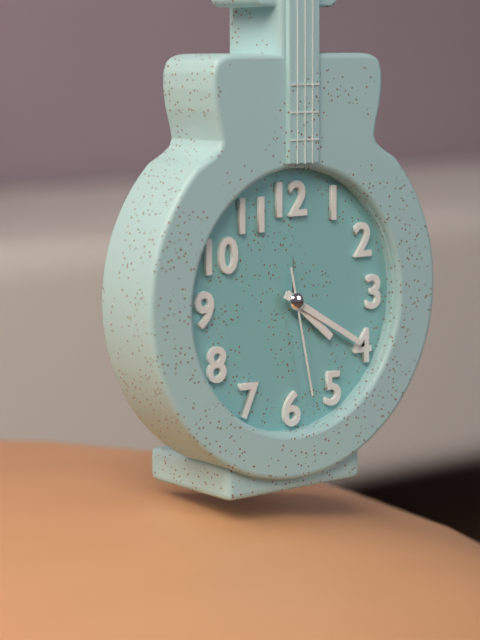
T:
**4:20:28**
